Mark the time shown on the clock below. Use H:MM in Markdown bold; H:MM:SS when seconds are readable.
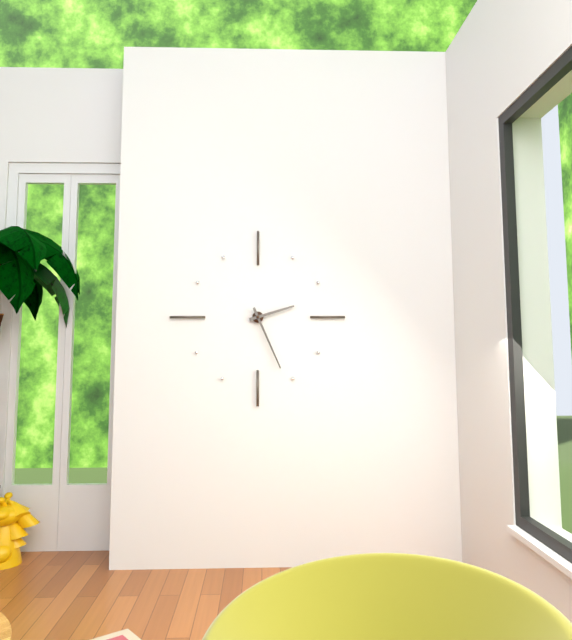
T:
**2:26**
